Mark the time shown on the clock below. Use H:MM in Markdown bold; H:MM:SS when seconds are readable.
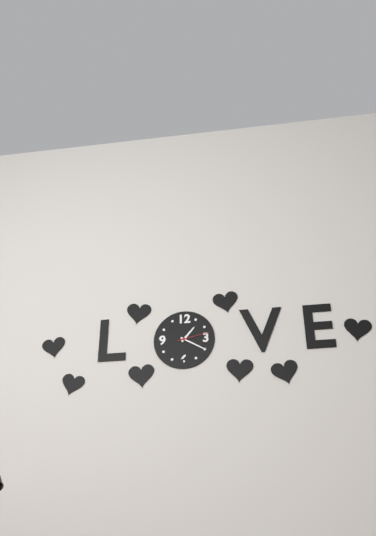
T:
**1:20**
